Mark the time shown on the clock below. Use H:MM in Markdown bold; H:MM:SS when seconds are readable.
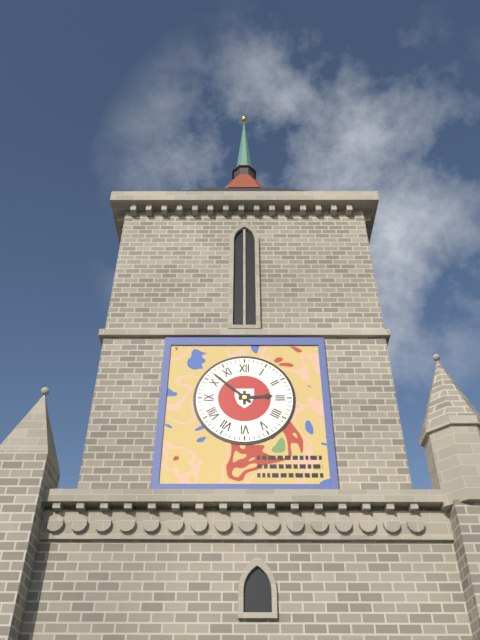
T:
**2:52**
